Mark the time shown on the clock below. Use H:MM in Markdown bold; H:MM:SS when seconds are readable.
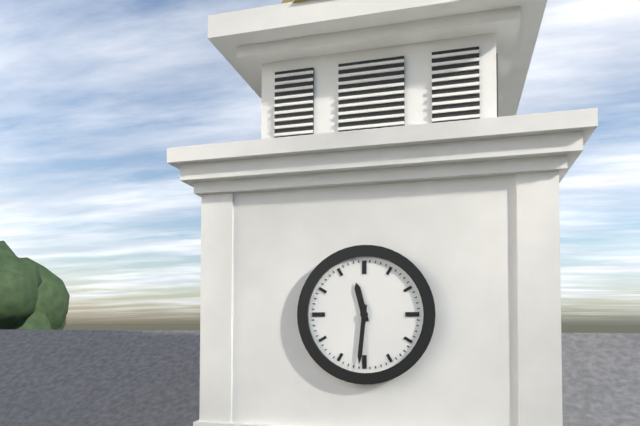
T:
**11:31**
